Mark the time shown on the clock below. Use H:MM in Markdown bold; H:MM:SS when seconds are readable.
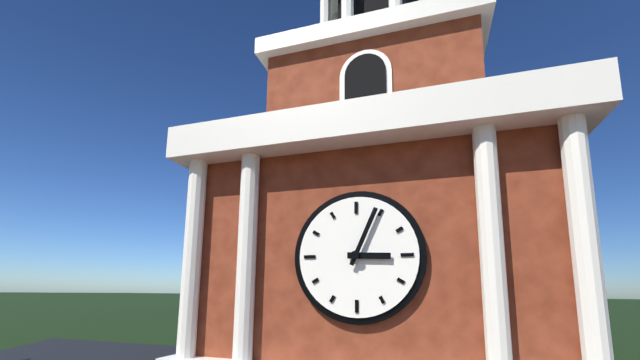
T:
**3:04**
